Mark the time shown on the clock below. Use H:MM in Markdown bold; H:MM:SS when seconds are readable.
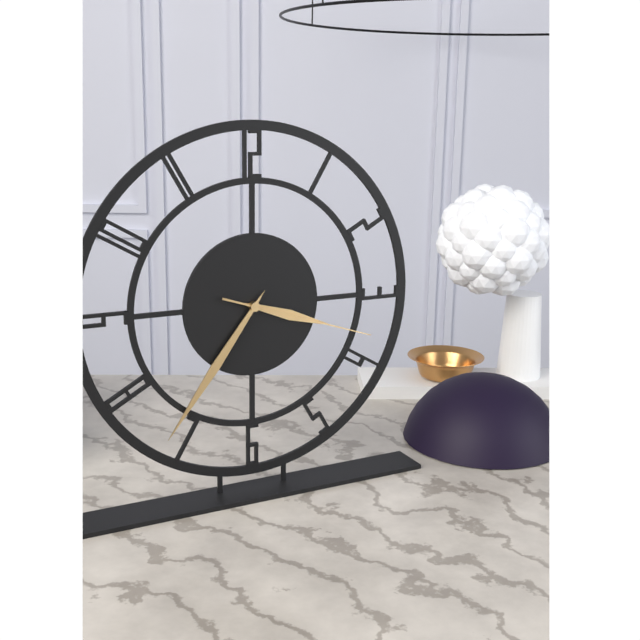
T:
**3:36:18**
